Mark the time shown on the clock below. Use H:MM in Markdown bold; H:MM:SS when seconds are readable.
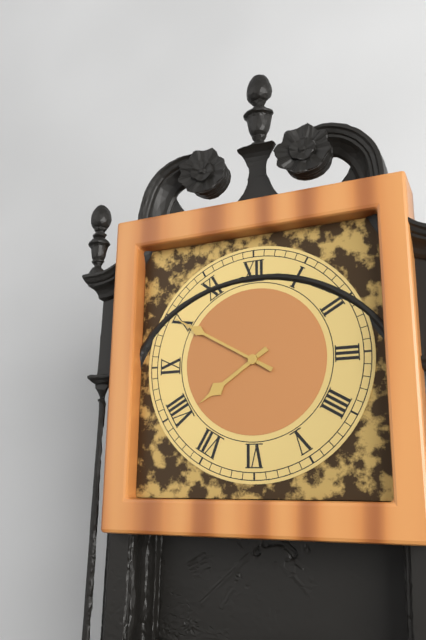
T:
**7:50**
